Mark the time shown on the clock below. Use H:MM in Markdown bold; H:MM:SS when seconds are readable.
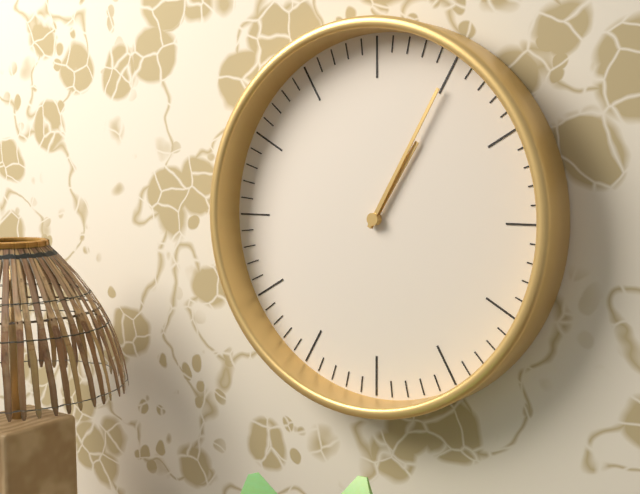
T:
**1:05**
